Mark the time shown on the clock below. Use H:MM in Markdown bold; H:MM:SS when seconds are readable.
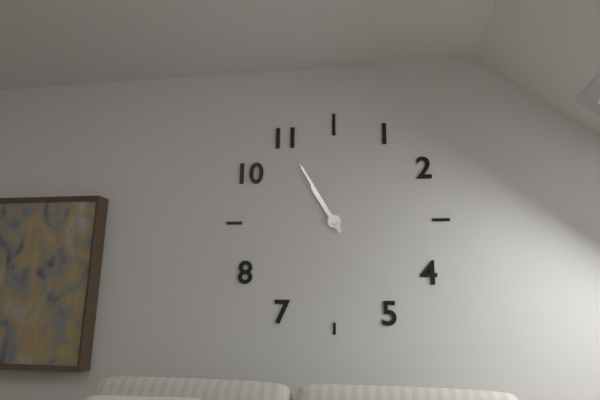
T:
**10:55**
